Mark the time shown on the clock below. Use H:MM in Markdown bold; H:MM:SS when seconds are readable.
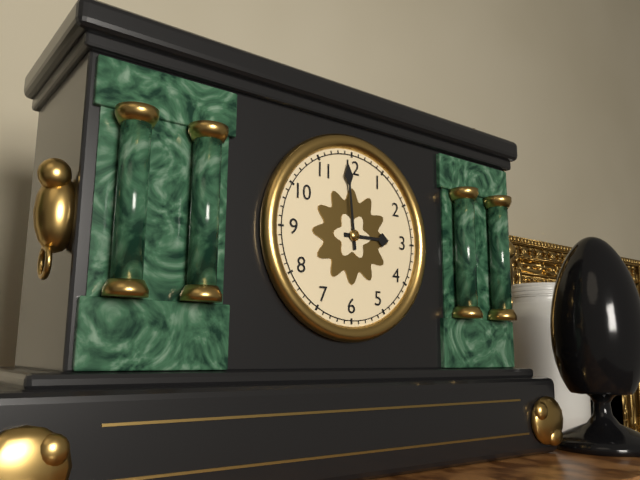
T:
**2:59**
